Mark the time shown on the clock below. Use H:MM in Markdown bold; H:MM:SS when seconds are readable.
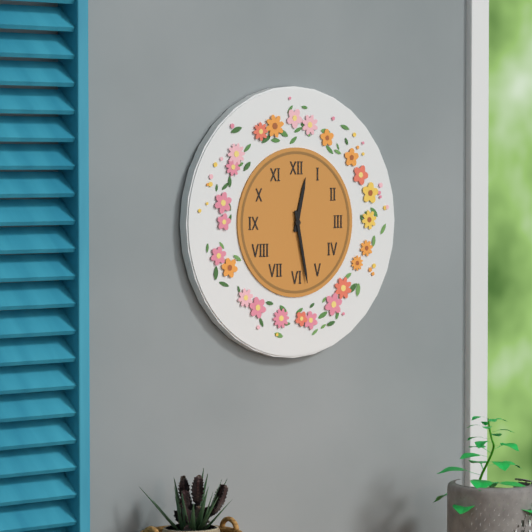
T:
**12:28**
